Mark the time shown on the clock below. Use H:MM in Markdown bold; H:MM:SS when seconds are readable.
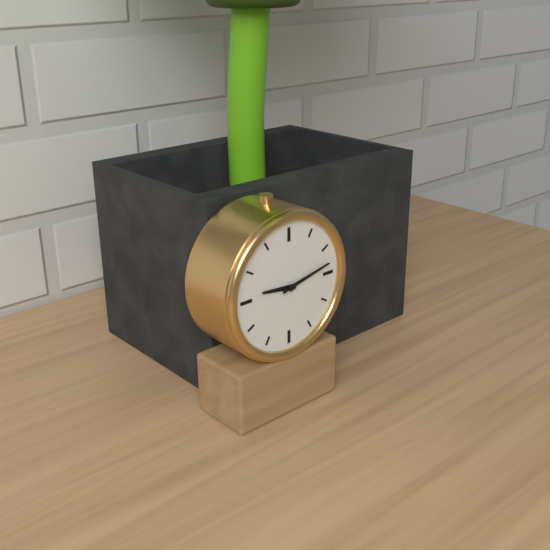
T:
**9:13**
